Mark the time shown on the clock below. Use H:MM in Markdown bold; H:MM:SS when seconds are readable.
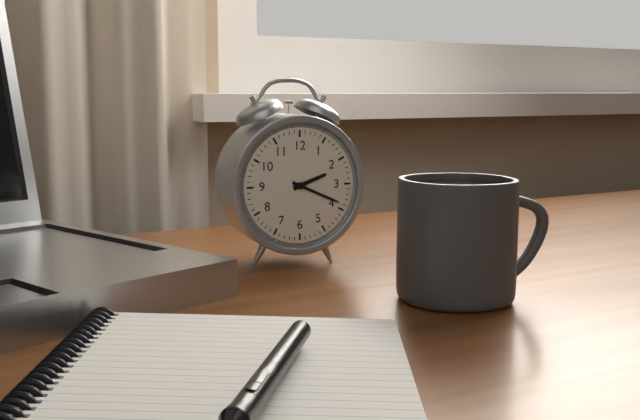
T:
**2:19**
